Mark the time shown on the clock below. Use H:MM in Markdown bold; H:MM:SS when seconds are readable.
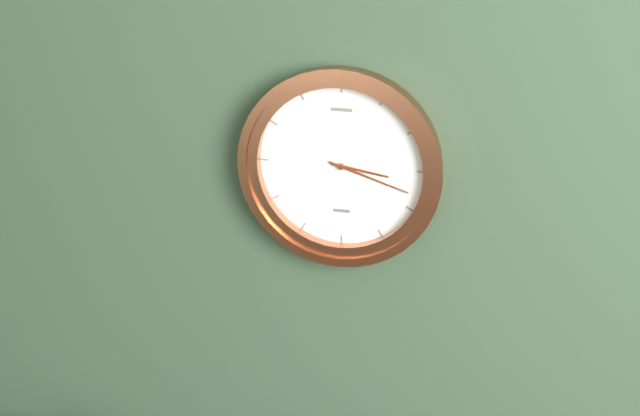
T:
**3:18**
